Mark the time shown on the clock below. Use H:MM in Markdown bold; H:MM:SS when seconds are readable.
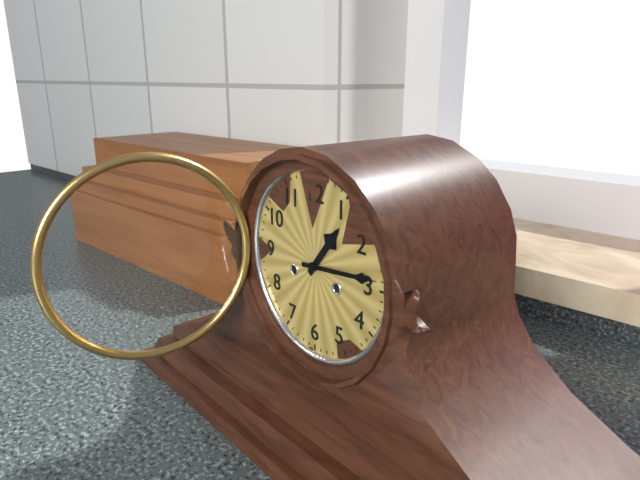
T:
**1:14**
